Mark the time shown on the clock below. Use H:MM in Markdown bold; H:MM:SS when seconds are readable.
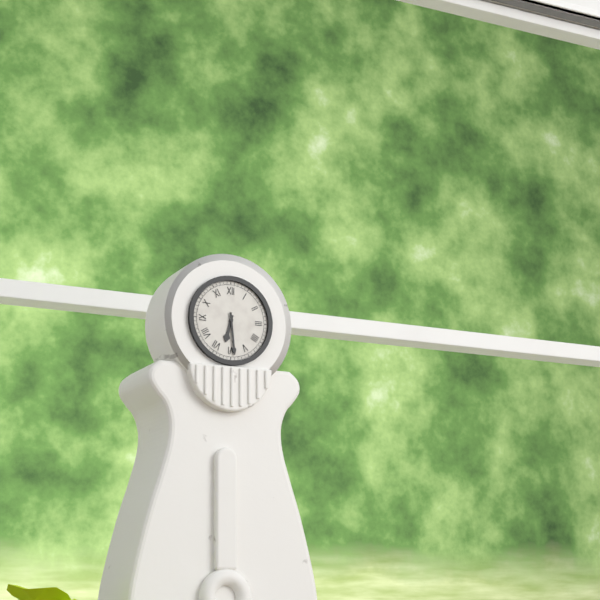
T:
**6:29**
